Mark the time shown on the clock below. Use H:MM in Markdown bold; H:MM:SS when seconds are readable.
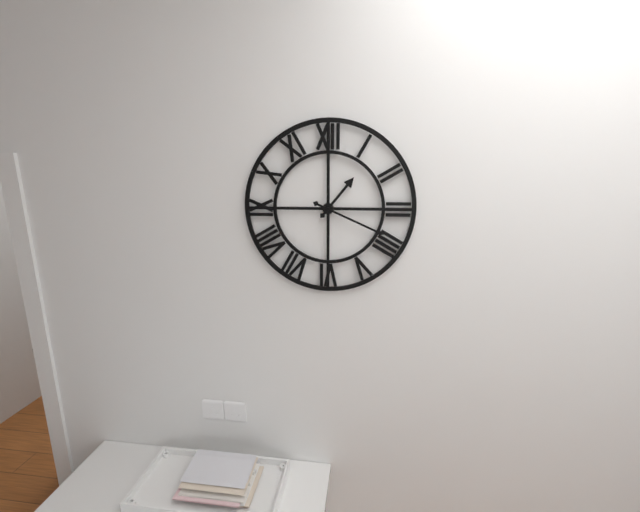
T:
**1:19**
